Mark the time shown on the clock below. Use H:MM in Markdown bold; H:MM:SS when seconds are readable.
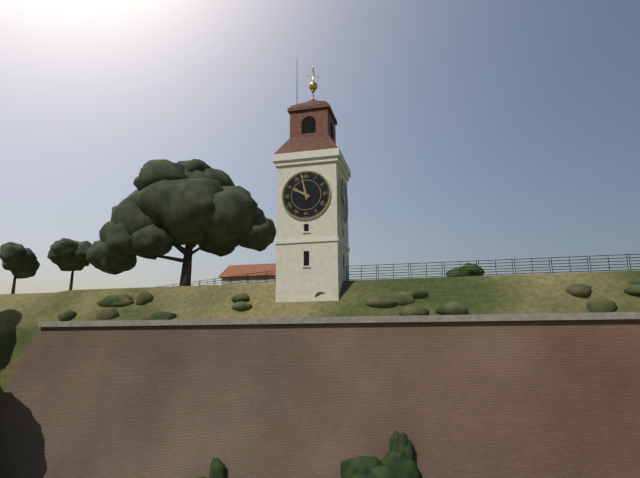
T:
**9:58**
